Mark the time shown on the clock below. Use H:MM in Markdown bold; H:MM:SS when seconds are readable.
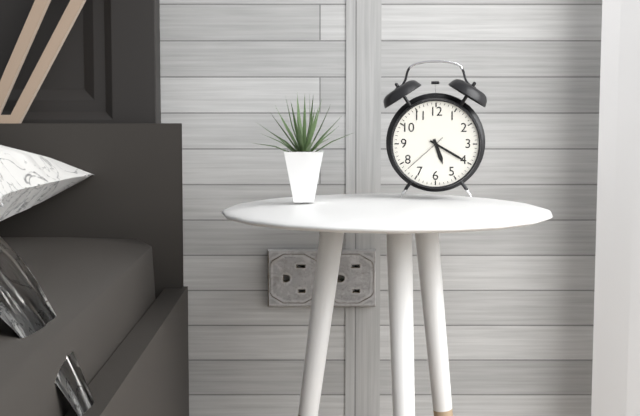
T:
**5:20**
